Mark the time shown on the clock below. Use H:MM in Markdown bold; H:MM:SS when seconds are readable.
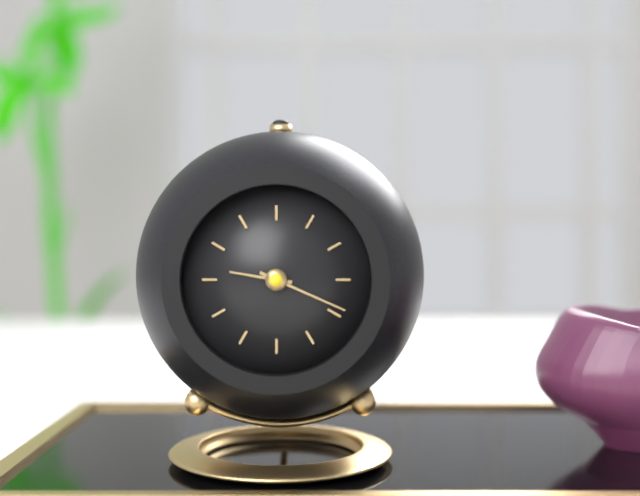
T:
**9:19**
